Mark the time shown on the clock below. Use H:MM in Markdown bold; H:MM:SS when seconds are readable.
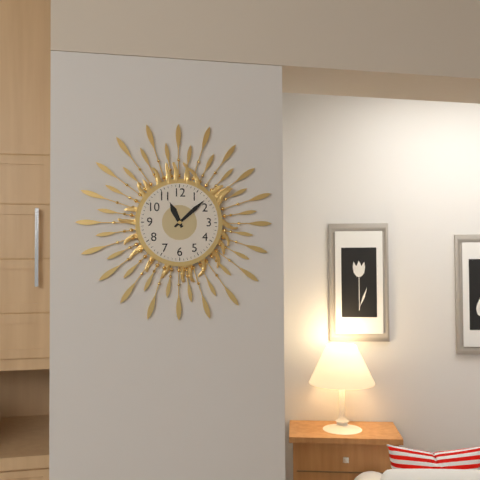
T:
**11:08**
